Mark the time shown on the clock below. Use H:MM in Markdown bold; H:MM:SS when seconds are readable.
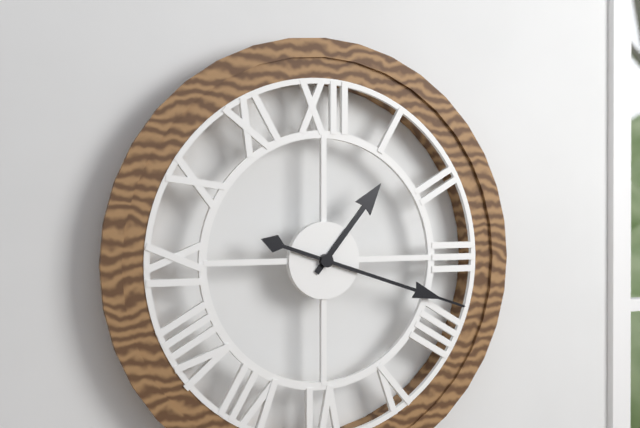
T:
**1:18**
